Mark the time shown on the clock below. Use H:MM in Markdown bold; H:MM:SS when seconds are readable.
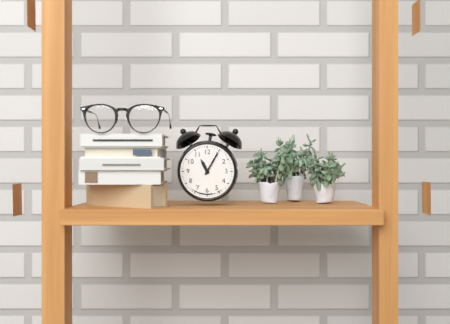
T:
**11:05**
